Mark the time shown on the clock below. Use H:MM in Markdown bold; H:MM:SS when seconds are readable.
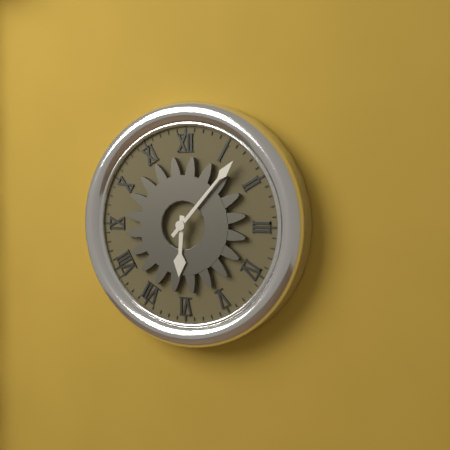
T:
**6:07**
